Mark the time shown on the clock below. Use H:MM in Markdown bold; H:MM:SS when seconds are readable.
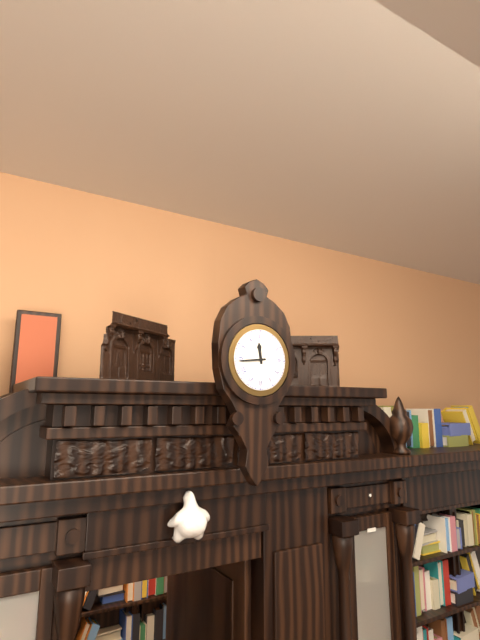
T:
**11:44**
